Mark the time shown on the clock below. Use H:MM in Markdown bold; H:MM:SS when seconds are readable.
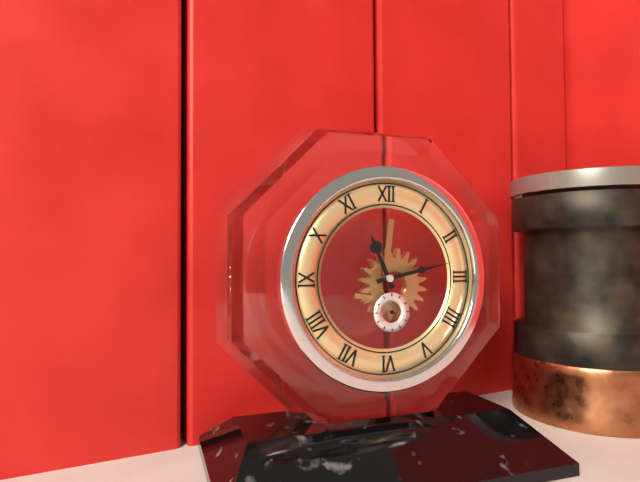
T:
**11:13**
